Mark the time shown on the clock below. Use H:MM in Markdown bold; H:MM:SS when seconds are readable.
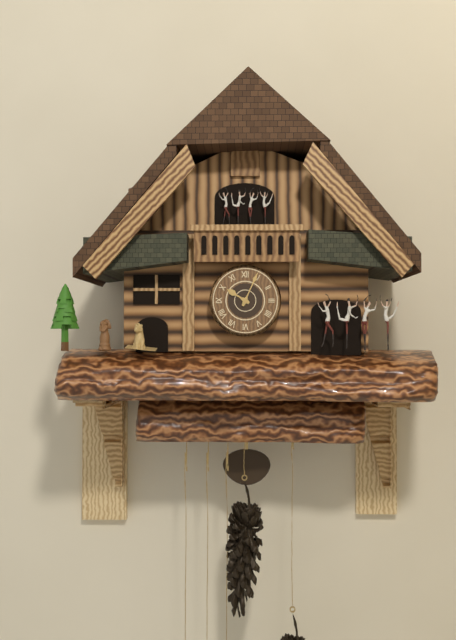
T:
**10:04**
